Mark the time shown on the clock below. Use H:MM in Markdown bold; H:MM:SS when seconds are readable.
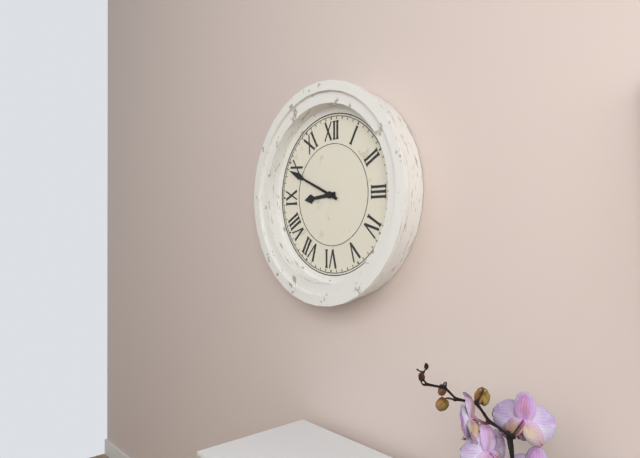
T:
**8:49**
